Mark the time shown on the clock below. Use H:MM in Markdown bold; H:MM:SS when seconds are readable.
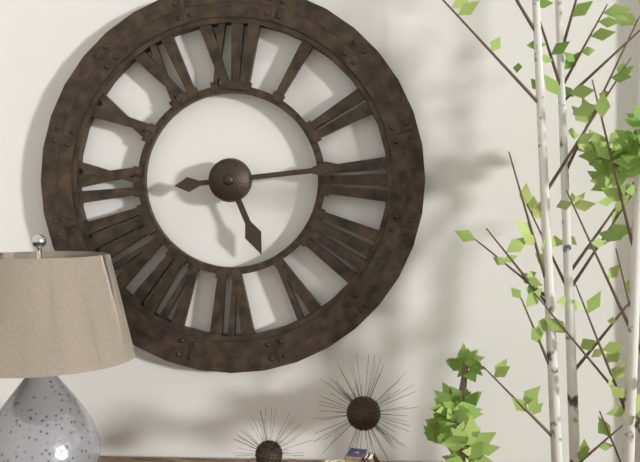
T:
**5:14**
